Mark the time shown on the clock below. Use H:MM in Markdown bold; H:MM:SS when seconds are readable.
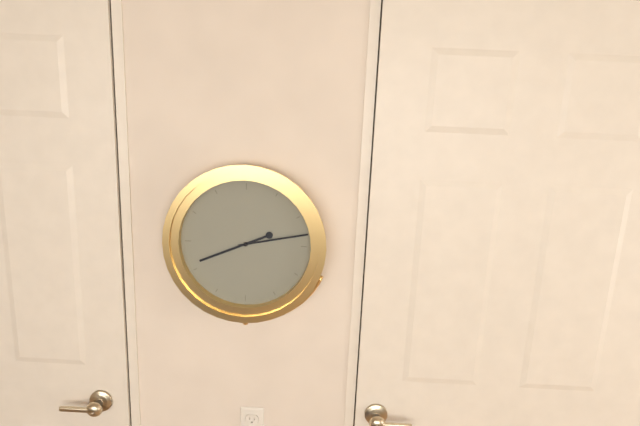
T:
**8:13**
